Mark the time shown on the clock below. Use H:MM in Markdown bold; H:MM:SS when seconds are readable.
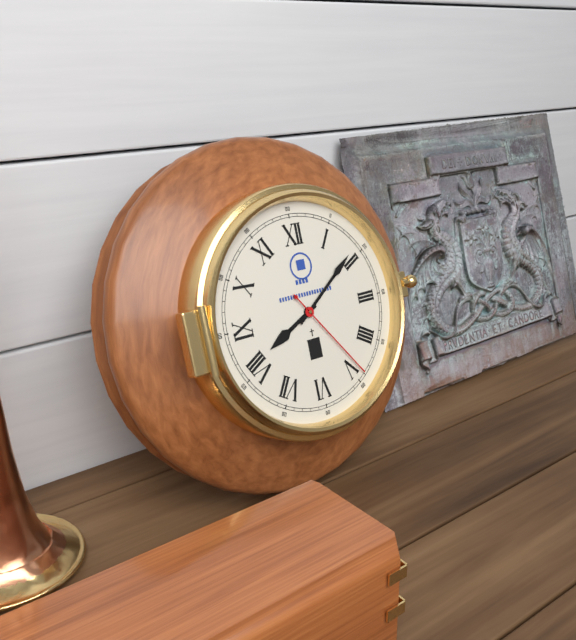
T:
**8:09:24**
